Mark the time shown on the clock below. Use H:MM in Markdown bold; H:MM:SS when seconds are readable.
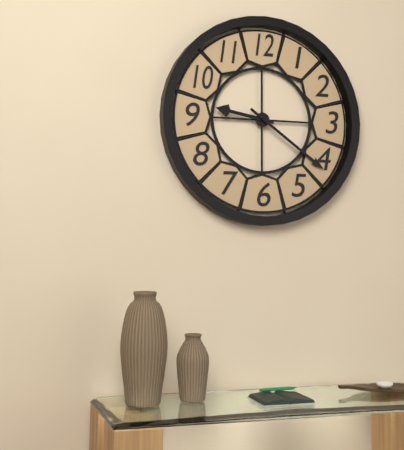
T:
**9:21**
